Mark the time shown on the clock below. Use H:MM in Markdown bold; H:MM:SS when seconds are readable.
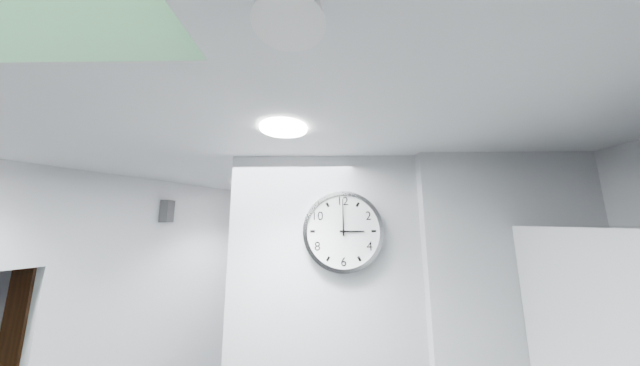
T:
**3:00**
